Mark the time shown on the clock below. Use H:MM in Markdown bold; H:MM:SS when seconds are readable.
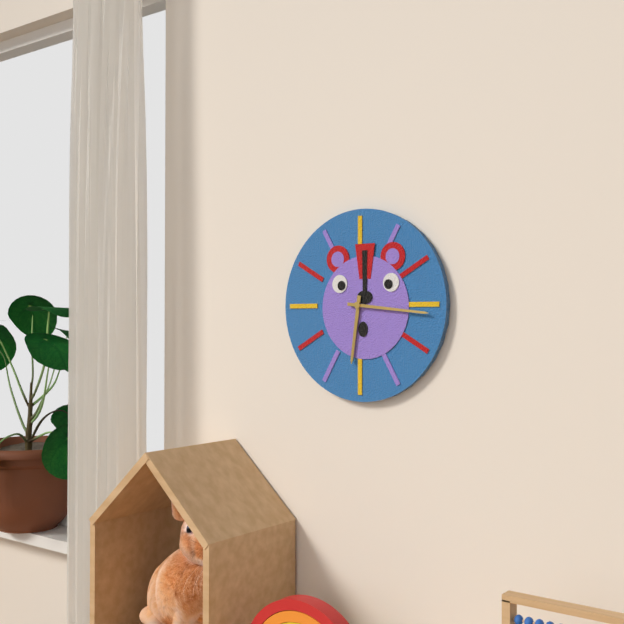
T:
**6:16**
